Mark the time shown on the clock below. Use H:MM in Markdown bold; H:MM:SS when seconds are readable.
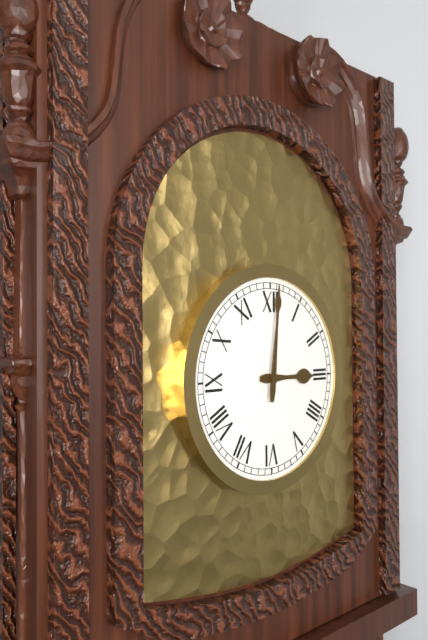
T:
**3:01**
